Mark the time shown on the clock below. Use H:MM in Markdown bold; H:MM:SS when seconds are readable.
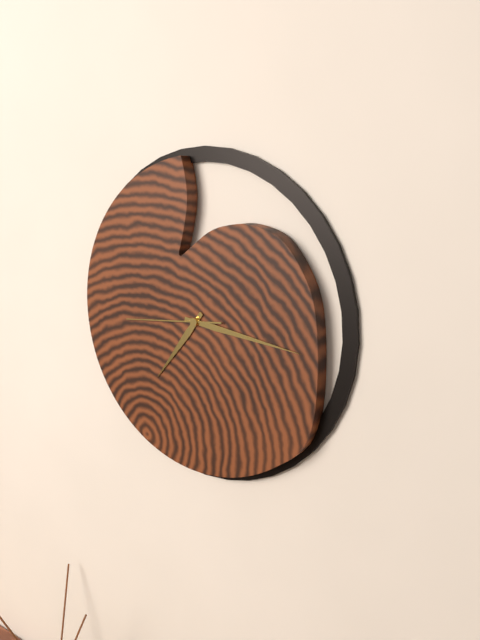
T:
**7:16:44**
